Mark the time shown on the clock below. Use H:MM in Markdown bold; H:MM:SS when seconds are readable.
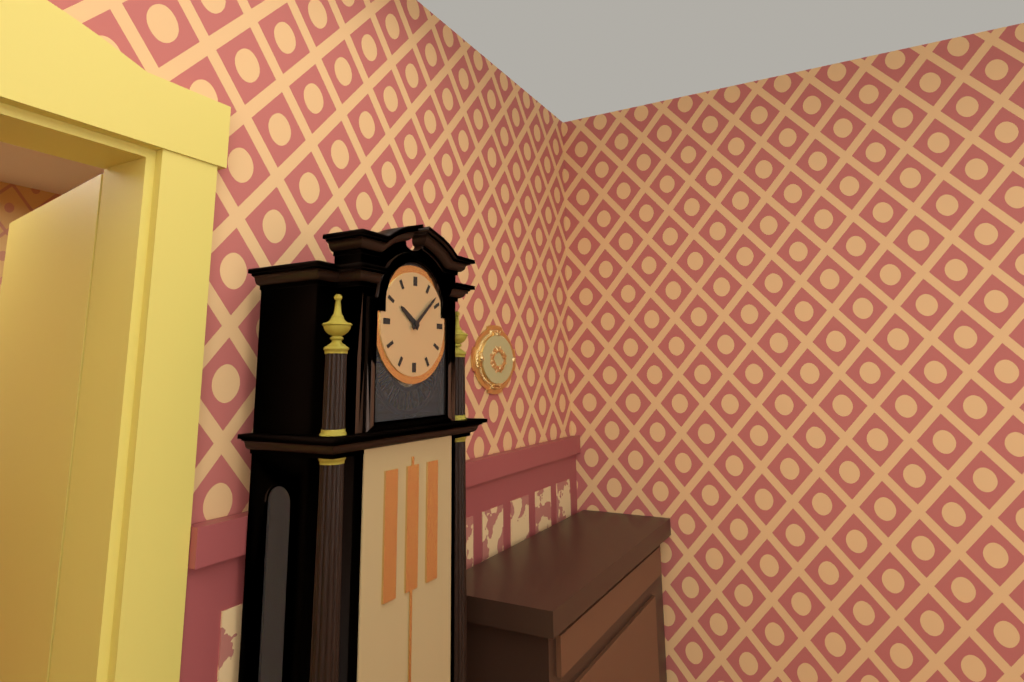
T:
**10:08**
